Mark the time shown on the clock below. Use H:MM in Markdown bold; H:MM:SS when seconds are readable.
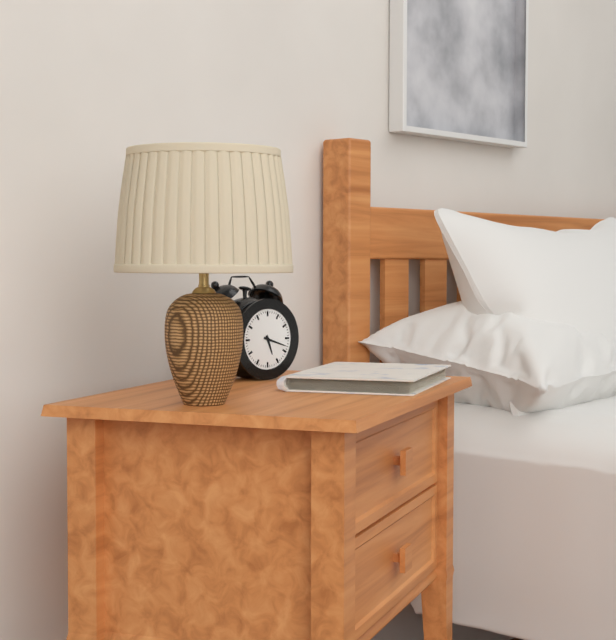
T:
**5:18**
